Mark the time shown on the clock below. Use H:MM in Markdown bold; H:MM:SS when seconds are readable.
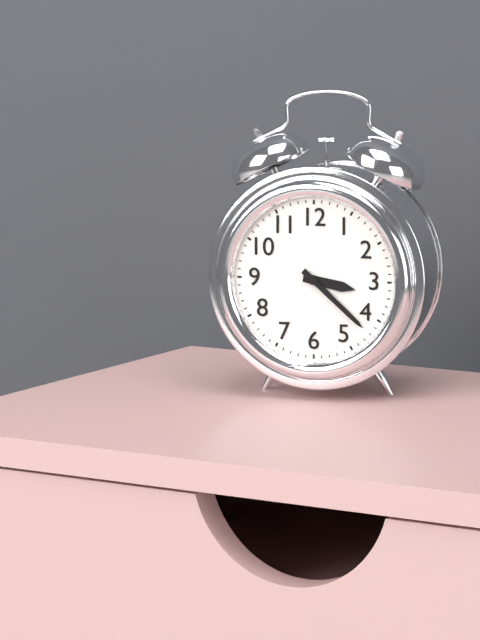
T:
**3:22**
